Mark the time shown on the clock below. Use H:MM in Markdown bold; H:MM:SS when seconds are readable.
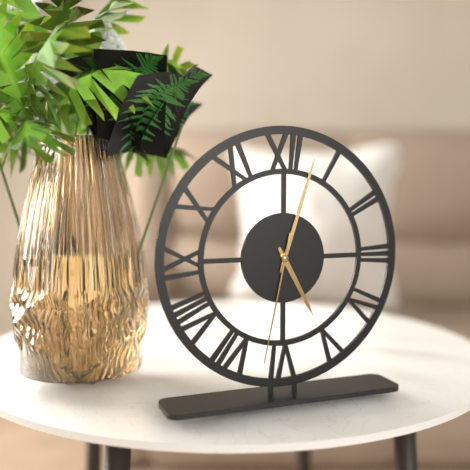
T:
**5:03:32**
